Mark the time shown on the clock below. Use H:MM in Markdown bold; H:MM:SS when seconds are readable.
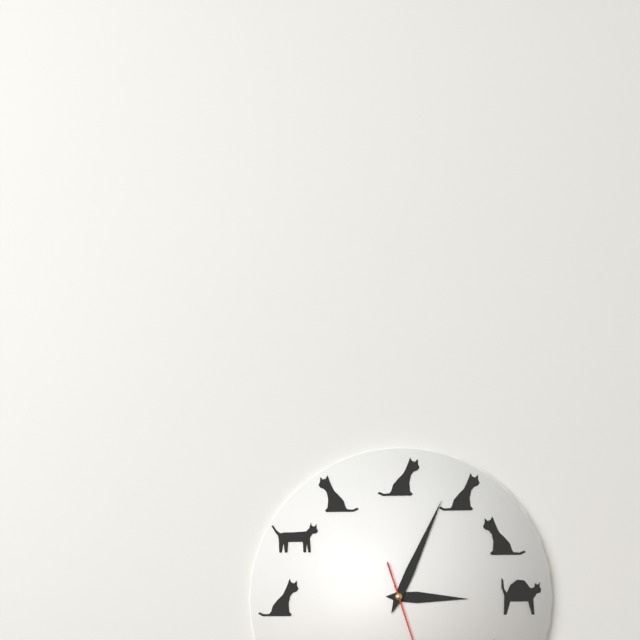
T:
**3:04**
